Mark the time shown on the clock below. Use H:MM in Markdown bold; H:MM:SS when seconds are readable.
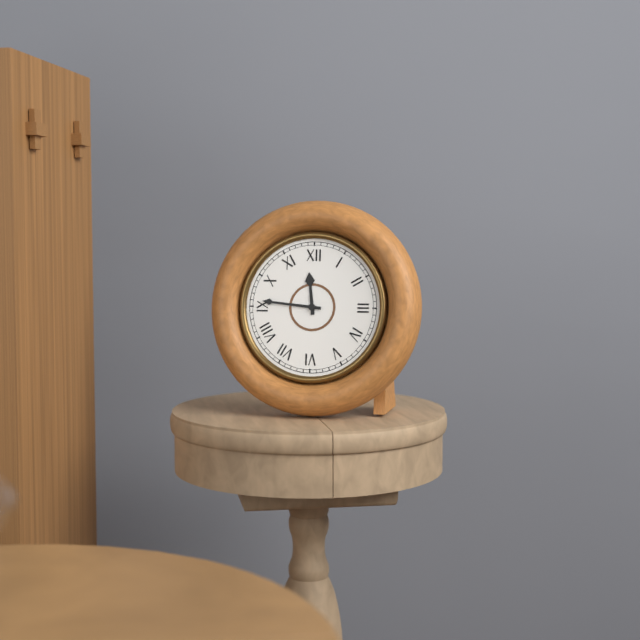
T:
**11:46**
